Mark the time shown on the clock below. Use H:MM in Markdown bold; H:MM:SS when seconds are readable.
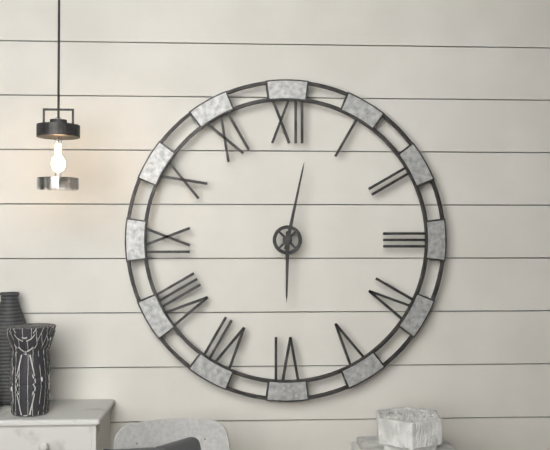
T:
**6:02**
